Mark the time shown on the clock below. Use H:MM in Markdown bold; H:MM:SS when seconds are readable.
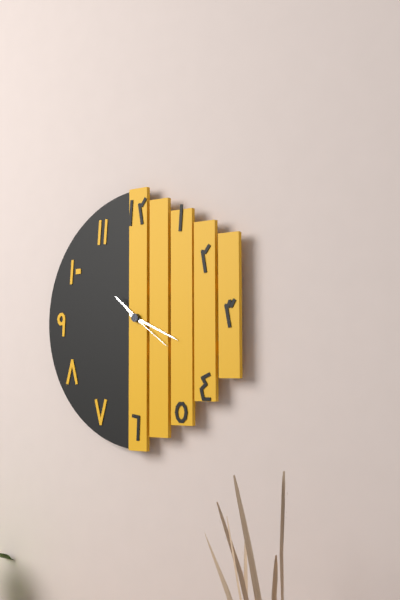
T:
**10:19**
